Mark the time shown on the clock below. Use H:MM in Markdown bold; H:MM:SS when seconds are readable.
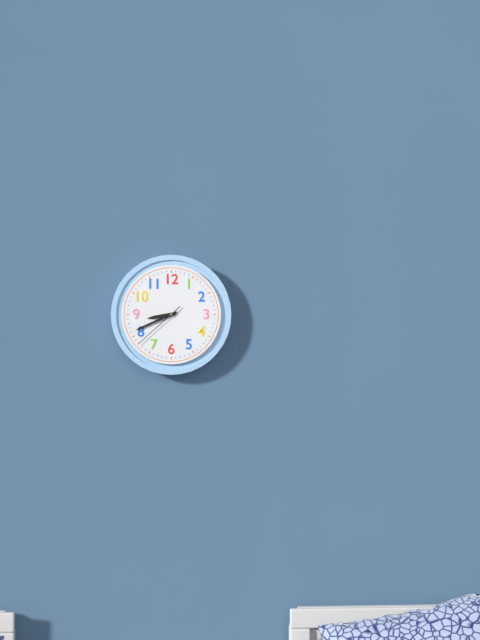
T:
**8:41:38**
